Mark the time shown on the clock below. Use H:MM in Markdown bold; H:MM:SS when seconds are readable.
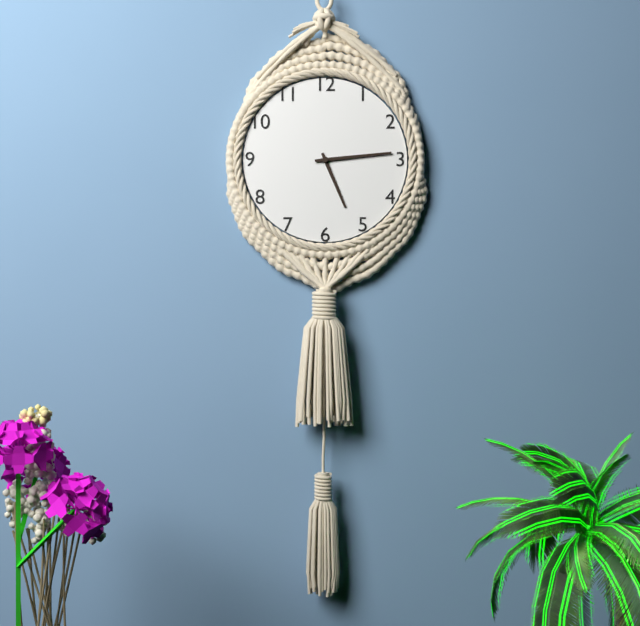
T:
**5:14**
